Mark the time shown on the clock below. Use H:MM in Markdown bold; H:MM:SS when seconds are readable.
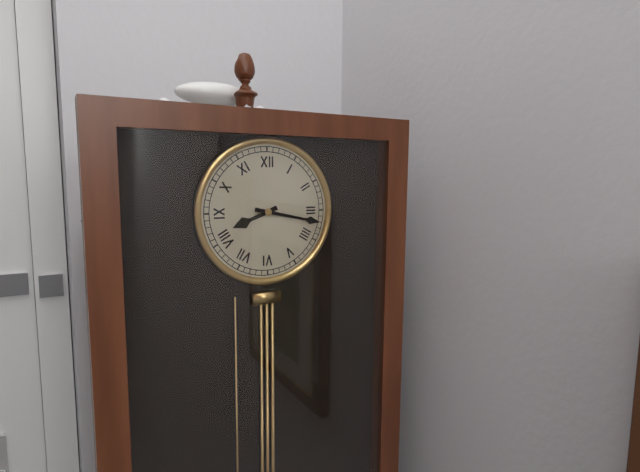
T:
**8:17**
